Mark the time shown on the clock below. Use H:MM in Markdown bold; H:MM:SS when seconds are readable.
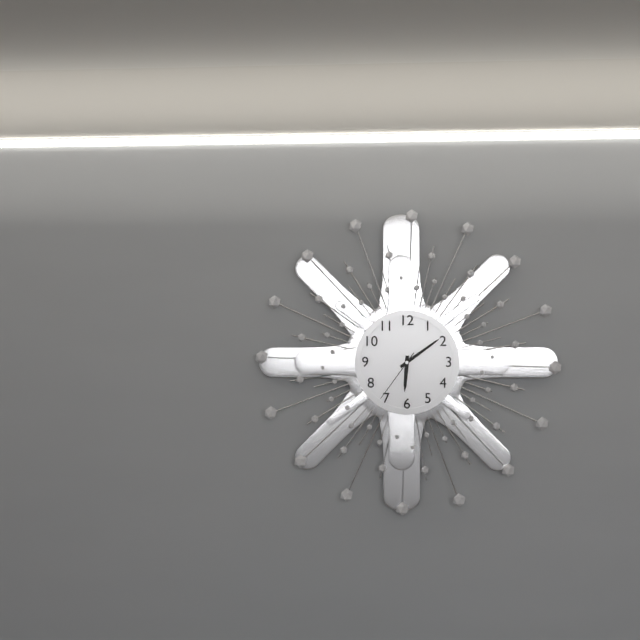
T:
**6:09:36**
